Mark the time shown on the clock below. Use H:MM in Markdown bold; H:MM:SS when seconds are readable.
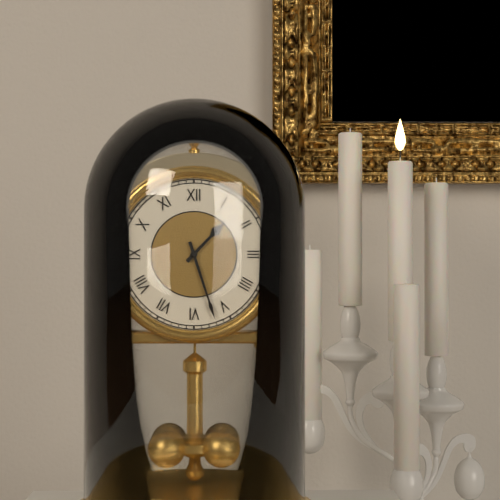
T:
**1:27**
